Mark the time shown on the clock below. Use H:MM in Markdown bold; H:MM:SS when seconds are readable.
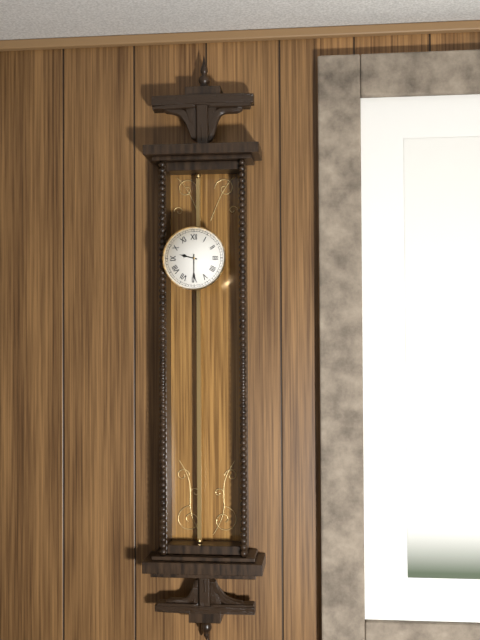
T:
**9:30**
